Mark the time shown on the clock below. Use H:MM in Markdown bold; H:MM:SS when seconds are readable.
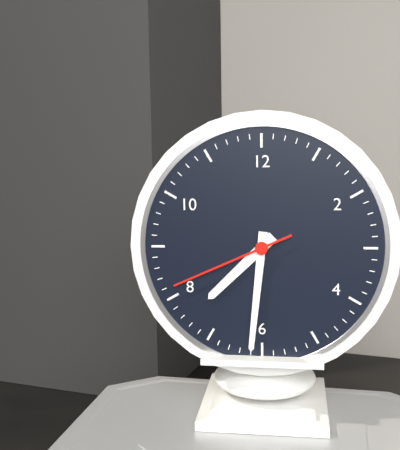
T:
**7:31:41**
